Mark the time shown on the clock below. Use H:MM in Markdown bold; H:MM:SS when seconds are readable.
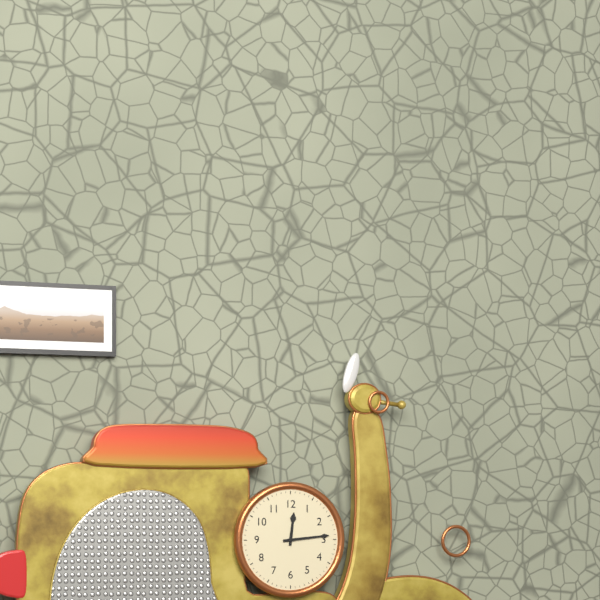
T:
**12:14**
